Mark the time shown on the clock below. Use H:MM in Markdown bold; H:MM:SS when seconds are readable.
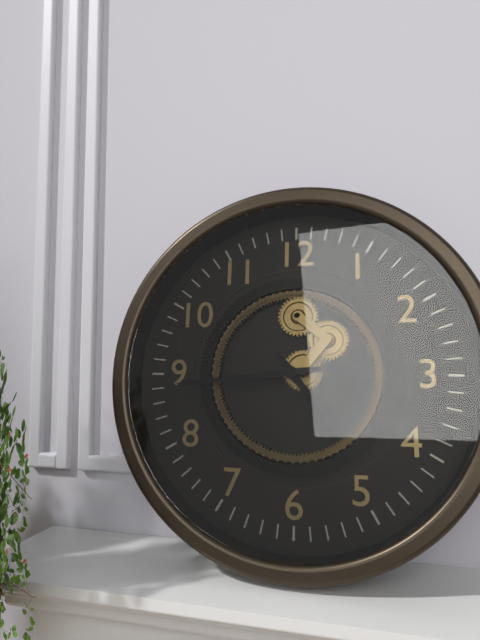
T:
**4:44**
